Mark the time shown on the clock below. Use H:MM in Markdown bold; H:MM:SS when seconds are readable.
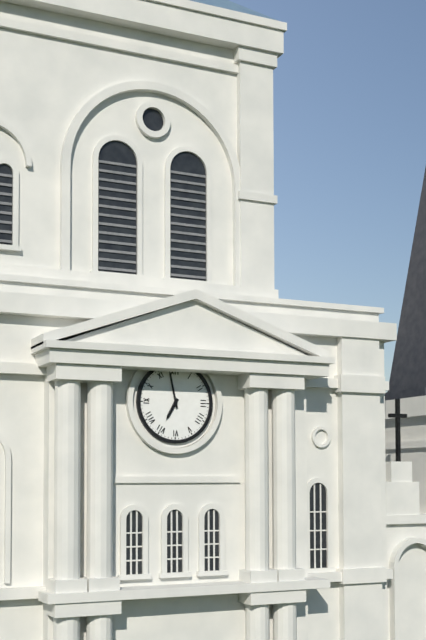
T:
**6:58**
